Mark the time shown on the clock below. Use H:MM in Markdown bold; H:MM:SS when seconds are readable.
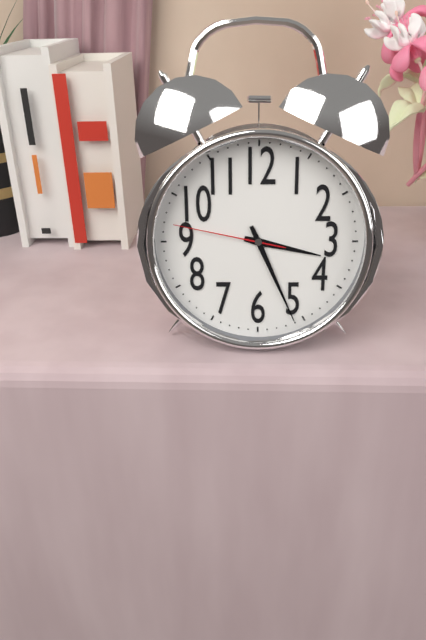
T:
**3:26:47**
